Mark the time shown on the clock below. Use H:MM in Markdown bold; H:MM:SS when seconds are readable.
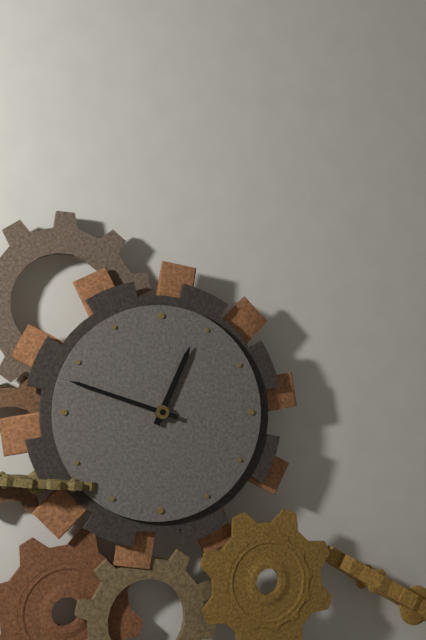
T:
**12:48**
